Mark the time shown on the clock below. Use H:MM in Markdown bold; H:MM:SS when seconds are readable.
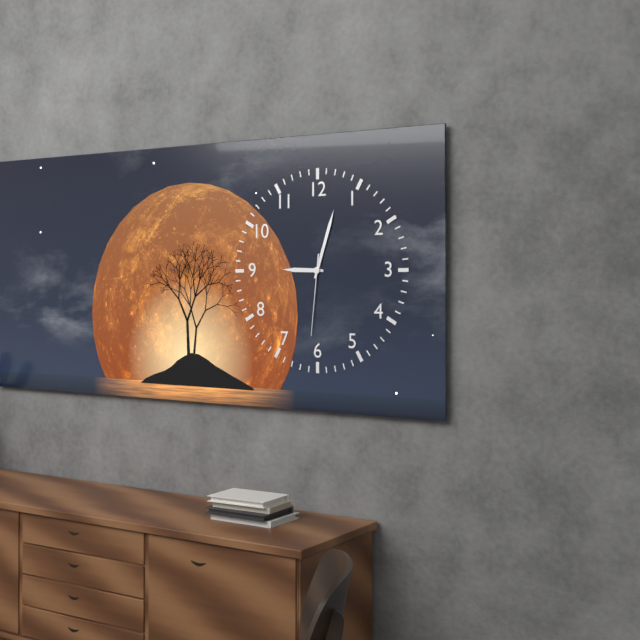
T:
**9:03:31**
